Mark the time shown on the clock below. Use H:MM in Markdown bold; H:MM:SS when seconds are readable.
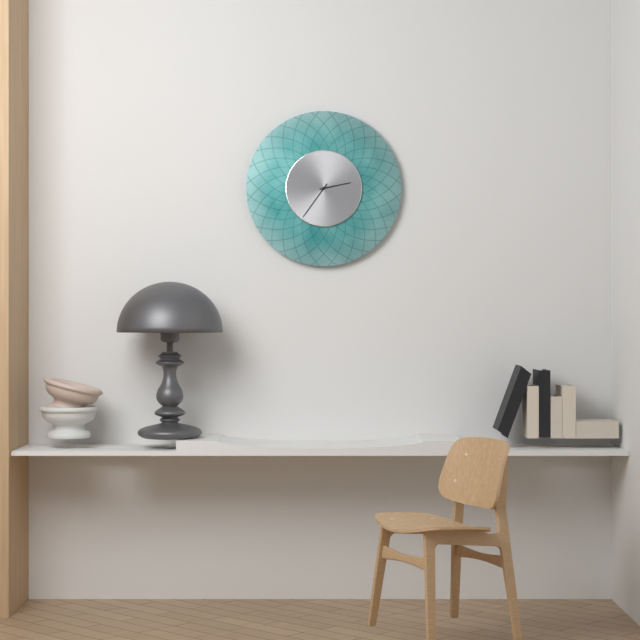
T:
**2:36**
